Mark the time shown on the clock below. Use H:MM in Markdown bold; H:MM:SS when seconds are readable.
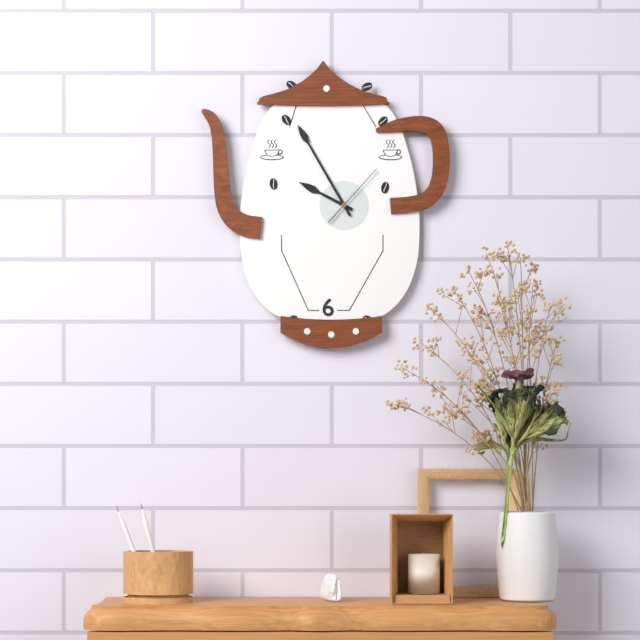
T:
**9:55:07**
